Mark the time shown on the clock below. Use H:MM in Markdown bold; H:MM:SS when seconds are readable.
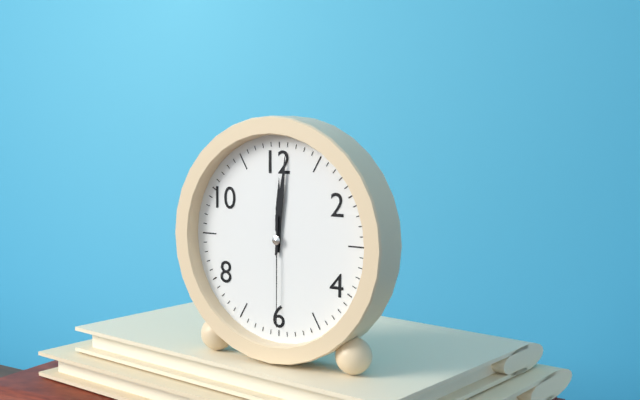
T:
**12:01:30**
